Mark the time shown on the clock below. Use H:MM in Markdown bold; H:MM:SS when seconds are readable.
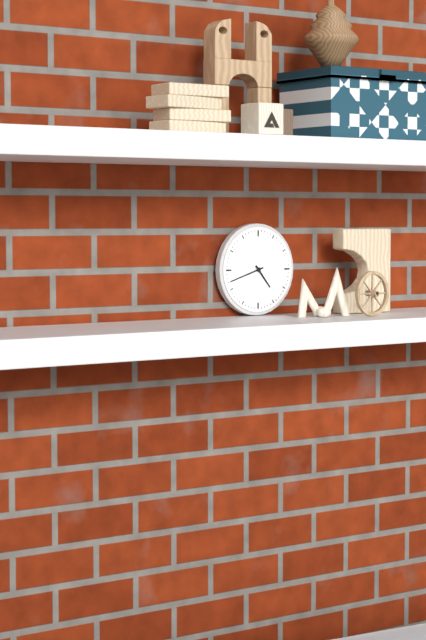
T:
**4:42**
